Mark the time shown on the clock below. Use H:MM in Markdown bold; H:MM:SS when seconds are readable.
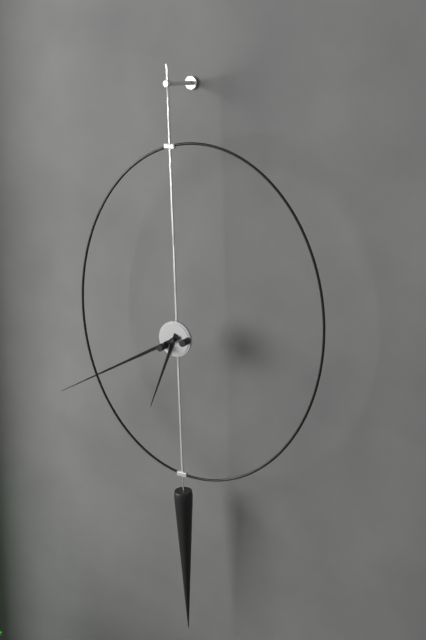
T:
**6:40**
